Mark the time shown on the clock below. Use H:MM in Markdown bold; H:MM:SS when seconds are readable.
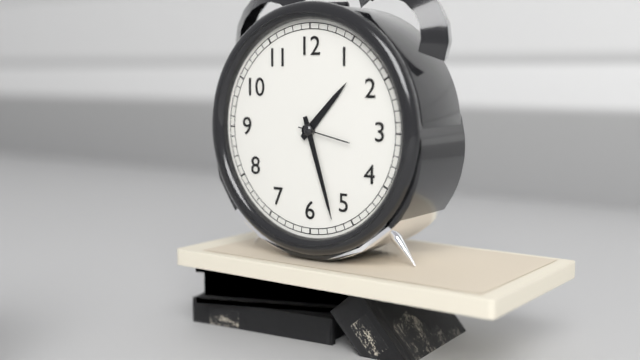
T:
**1:27:17**
